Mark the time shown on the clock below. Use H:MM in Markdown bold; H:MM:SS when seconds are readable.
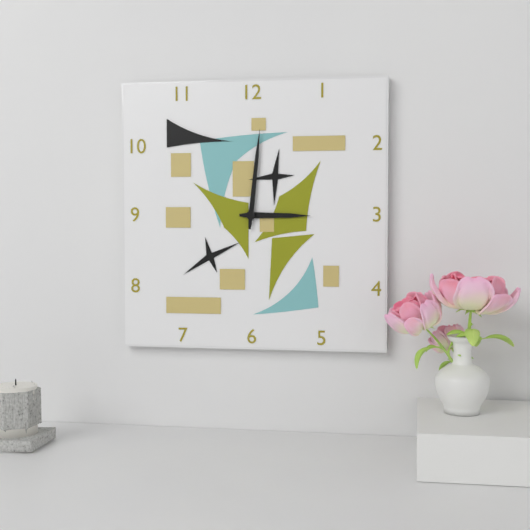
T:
**3:01**
